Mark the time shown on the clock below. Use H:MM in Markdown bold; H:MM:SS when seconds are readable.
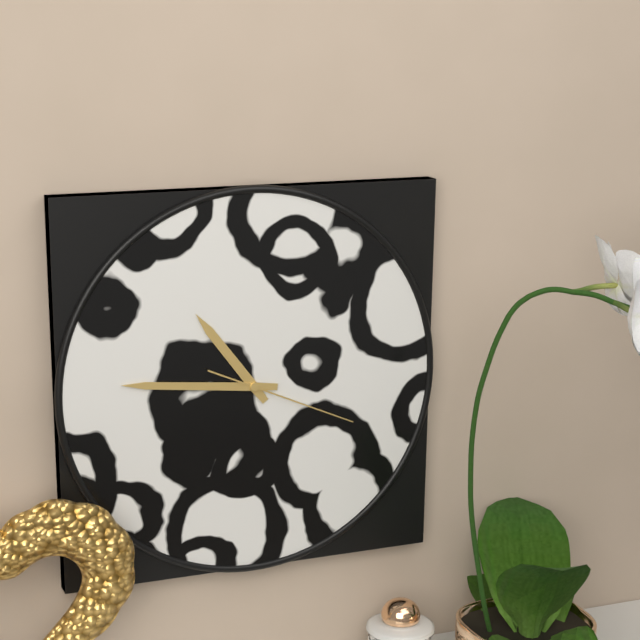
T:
**10:46:19**
